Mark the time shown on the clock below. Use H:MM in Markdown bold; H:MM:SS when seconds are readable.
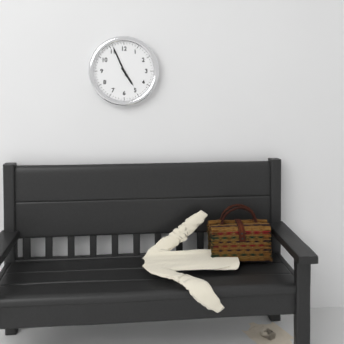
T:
**4:56**
